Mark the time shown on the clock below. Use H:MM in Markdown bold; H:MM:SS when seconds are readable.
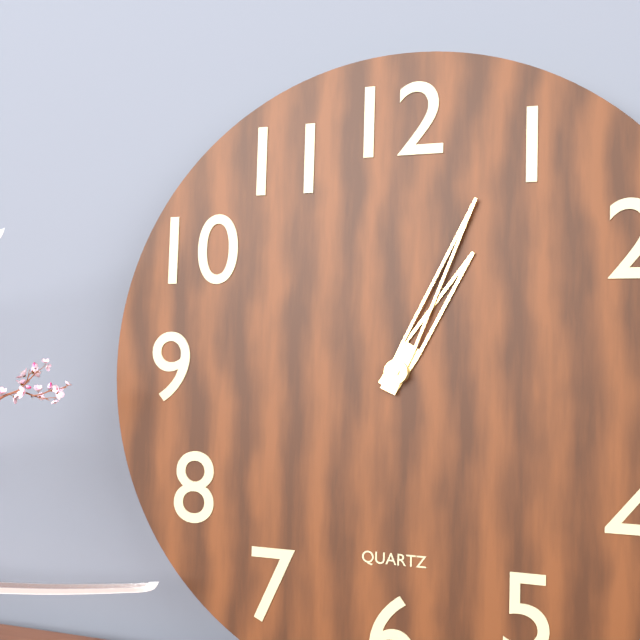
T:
**1:04**
